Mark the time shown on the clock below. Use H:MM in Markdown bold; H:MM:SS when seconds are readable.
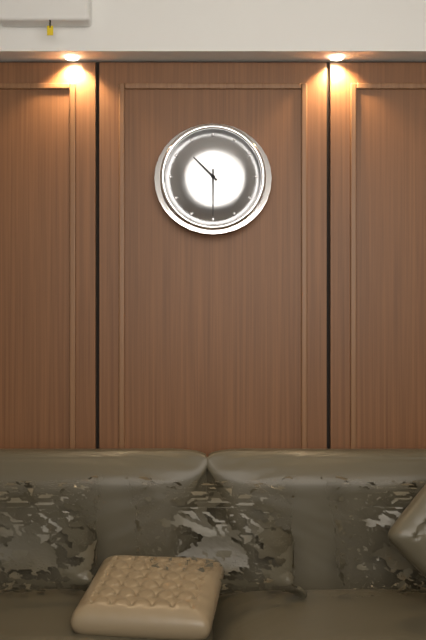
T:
**10:30**
